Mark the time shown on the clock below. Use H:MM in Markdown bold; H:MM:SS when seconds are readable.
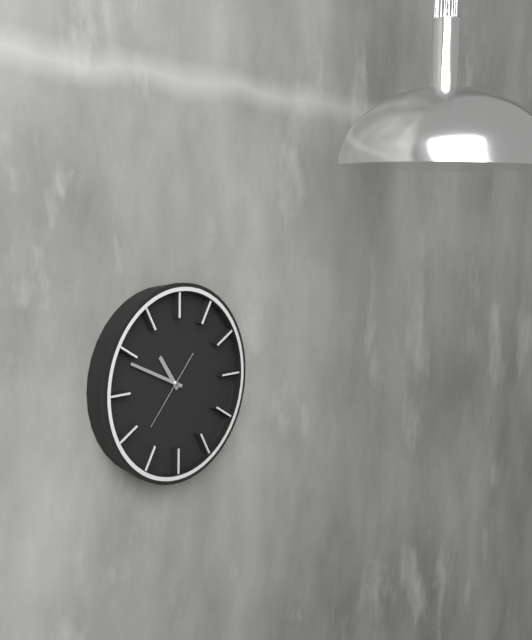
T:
**10:49:37**
